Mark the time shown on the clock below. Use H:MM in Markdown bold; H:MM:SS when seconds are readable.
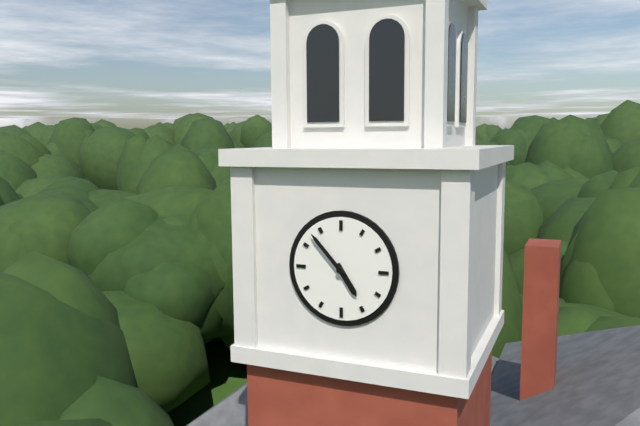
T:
**4:53**
